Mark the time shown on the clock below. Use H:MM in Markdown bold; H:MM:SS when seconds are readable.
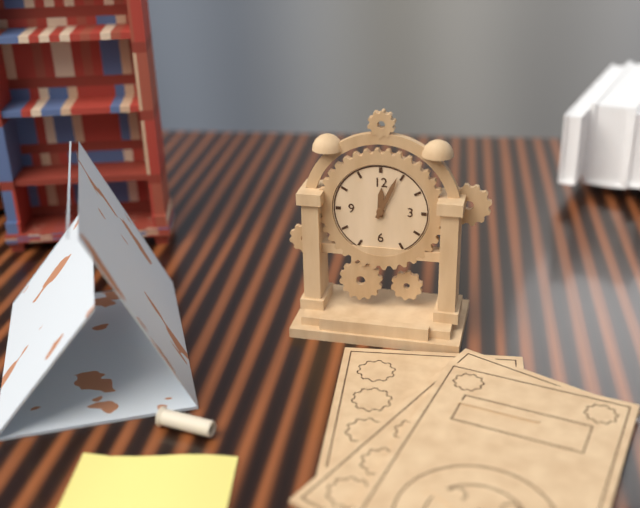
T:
**12:04**
